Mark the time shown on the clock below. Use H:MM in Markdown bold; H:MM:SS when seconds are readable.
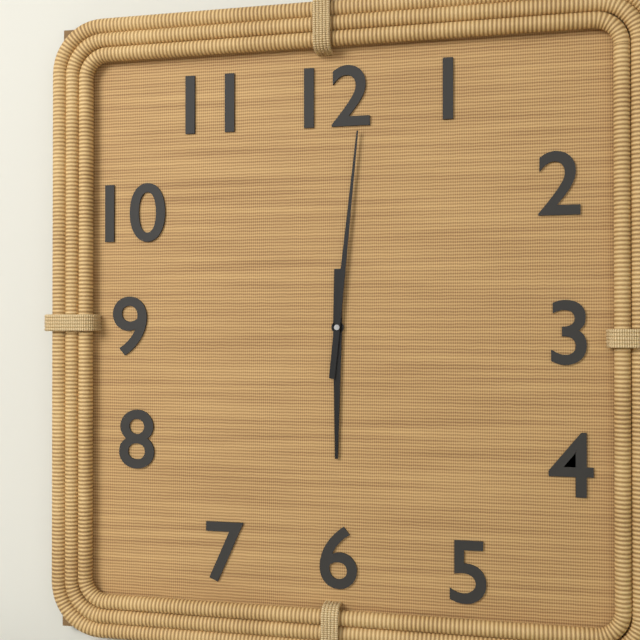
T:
**6:01**
